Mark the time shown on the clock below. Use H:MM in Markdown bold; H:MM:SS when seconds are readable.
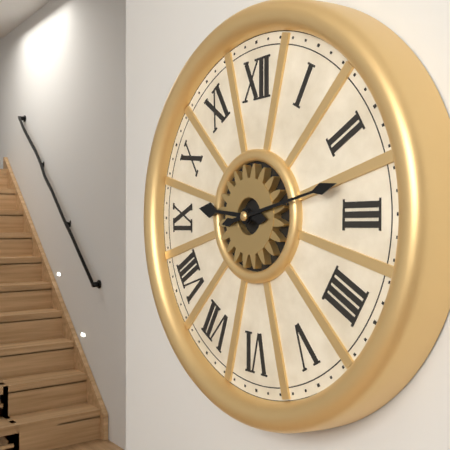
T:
**9:13**
